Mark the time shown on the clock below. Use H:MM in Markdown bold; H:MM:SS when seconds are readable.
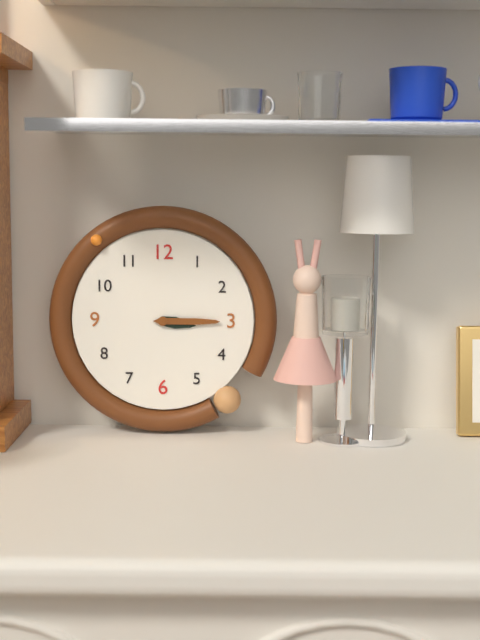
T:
**3:15**
